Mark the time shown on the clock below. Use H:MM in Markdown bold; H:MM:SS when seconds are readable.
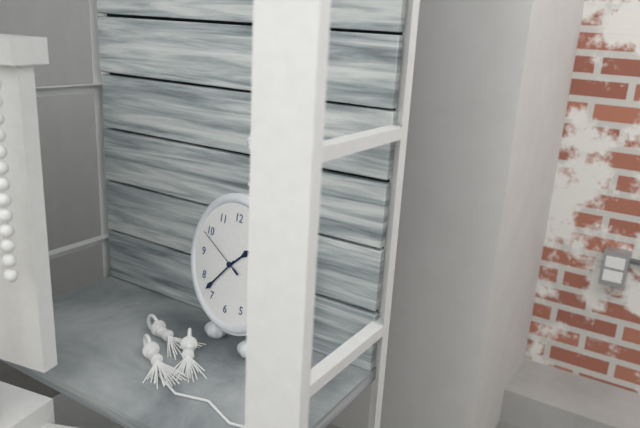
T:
**1:37:49**
